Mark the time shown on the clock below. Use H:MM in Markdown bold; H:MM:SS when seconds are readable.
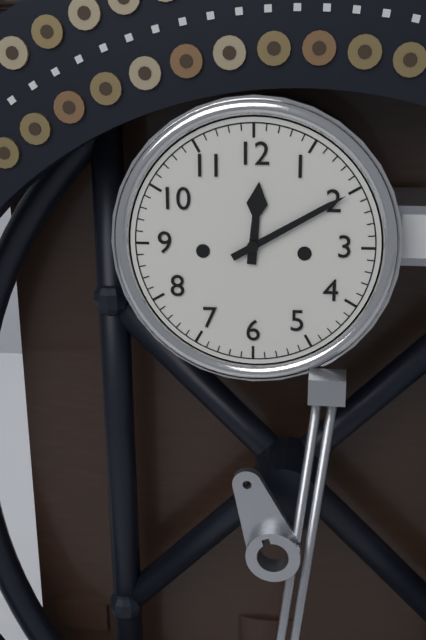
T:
**12:10**
